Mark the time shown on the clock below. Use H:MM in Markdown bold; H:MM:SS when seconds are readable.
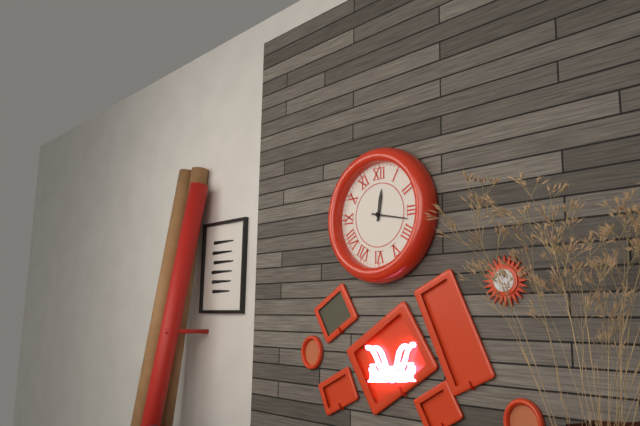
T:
**12:17**
